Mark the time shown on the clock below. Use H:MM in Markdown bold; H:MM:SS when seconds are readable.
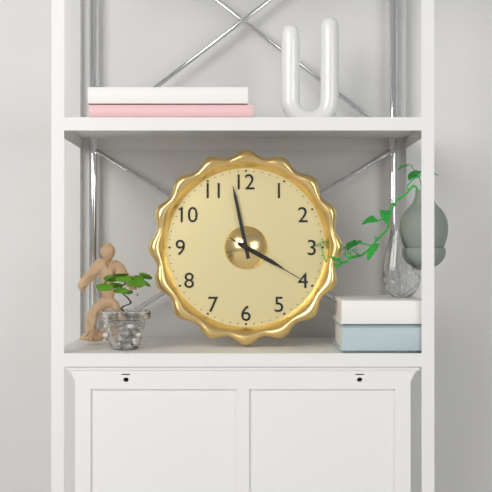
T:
**3:58:20**
